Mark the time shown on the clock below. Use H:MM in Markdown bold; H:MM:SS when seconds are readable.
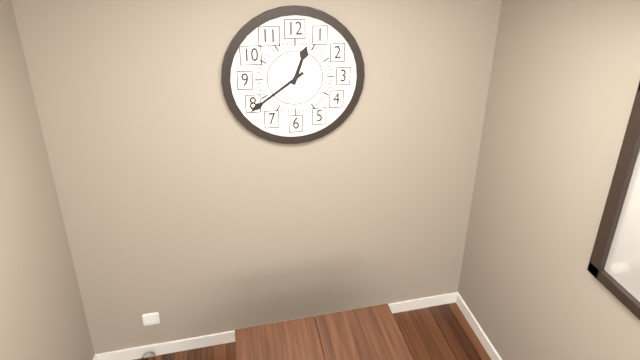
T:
**12:39**
